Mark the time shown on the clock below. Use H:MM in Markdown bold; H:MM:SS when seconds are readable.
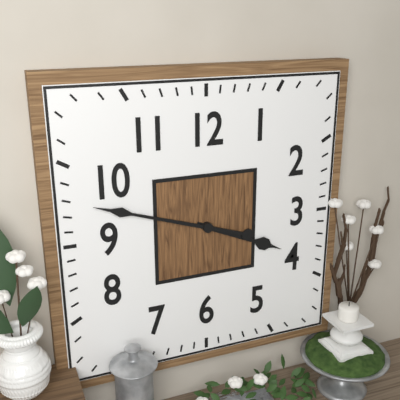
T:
**3:48**
